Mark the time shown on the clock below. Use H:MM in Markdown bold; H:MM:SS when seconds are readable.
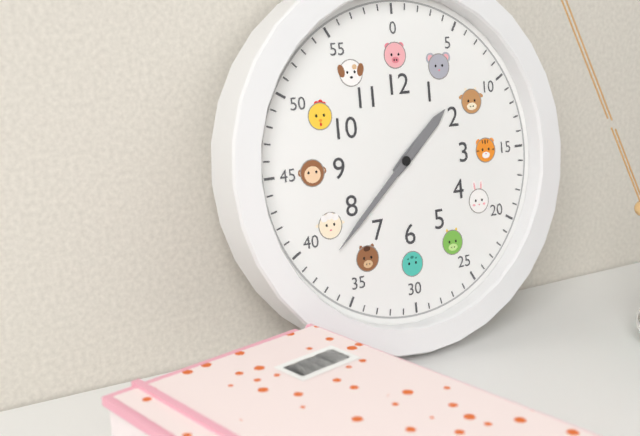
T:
**1:38**
